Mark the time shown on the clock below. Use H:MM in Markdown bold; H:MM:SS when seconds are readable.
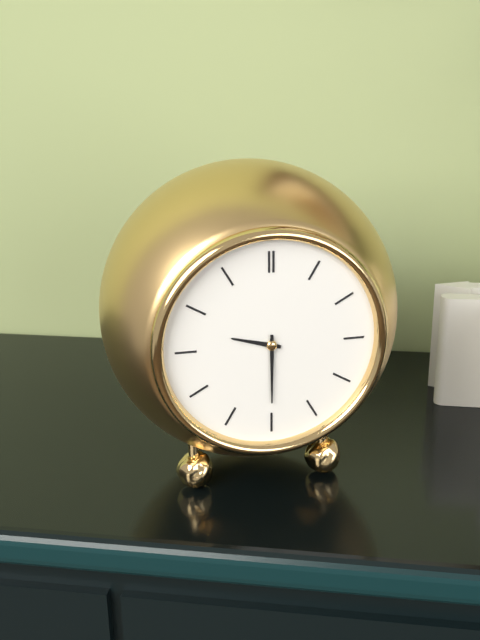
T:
**9:30**
